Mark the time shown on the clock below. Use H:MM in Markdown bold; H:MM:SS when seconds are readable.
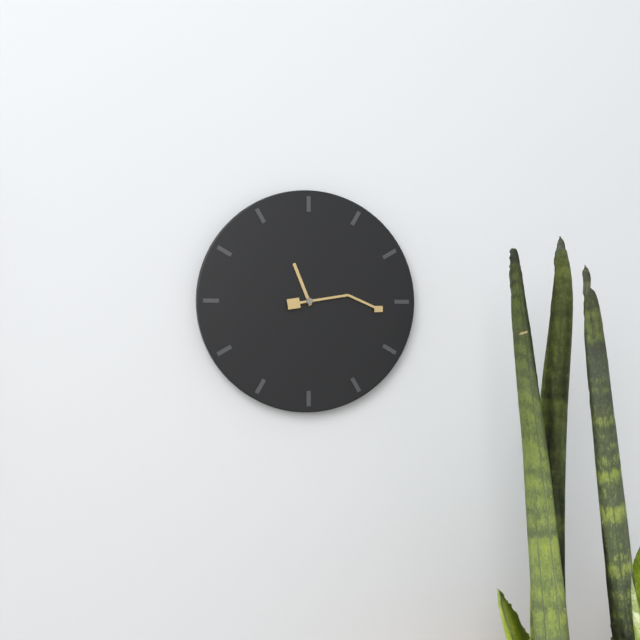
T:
**11:16**
